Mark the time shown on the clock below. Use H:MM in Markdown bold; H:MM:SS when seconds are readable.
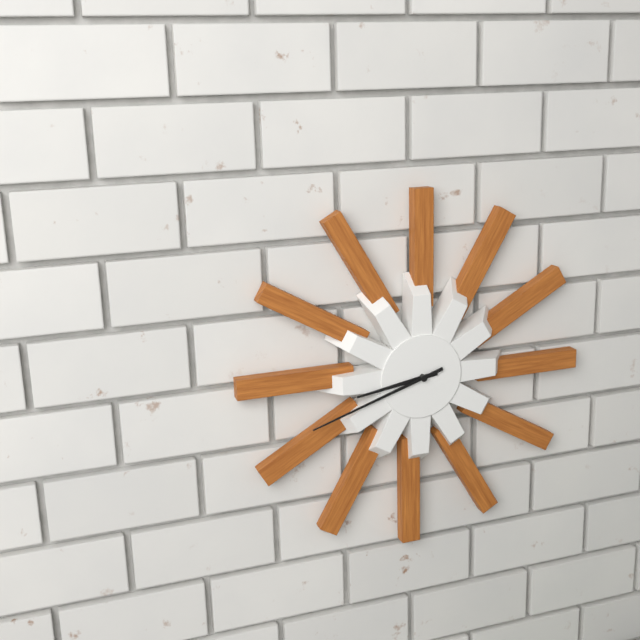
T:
**8:42**
